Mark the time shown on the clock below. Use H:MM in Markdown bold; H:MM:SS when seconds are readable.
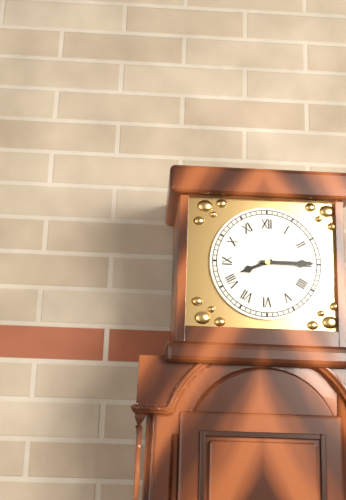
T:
**8:15**
